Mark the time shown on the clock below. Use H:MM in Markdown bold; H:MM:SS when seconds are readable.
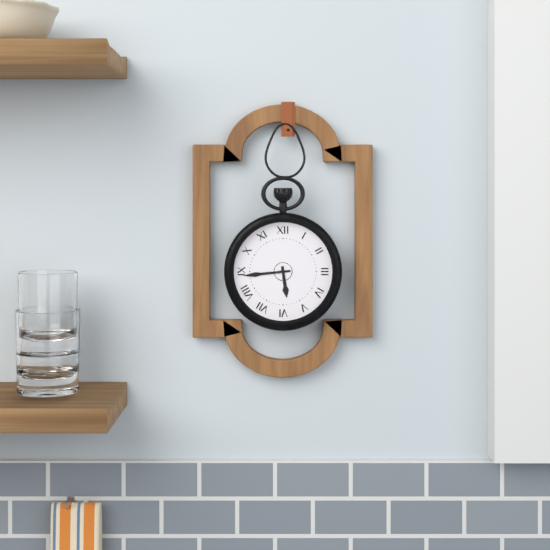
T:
**5:44**
